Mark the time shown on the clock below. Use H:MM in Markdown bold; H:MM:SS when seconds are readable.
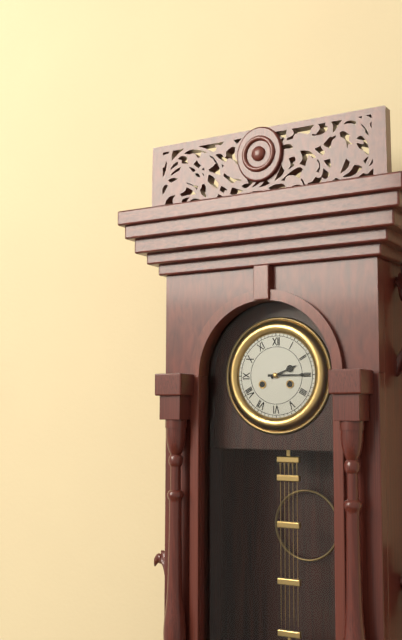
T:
**2:15**
